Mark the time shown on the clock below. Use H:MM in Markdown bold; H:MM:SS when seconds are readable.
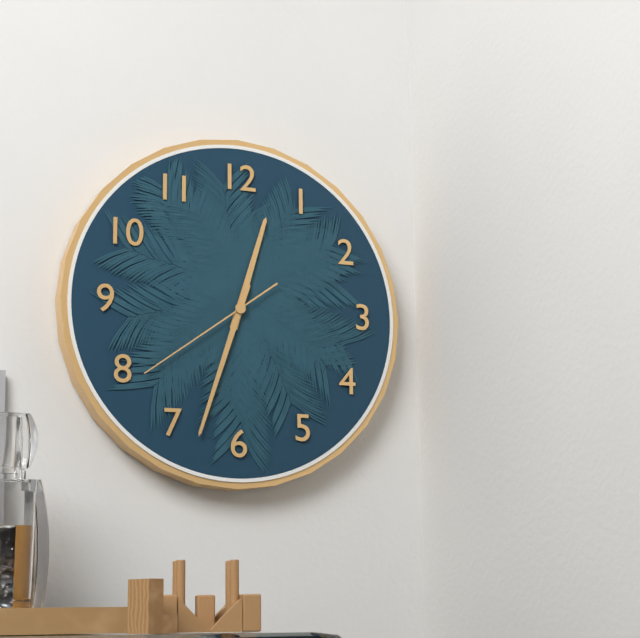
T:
**12:33:39**
